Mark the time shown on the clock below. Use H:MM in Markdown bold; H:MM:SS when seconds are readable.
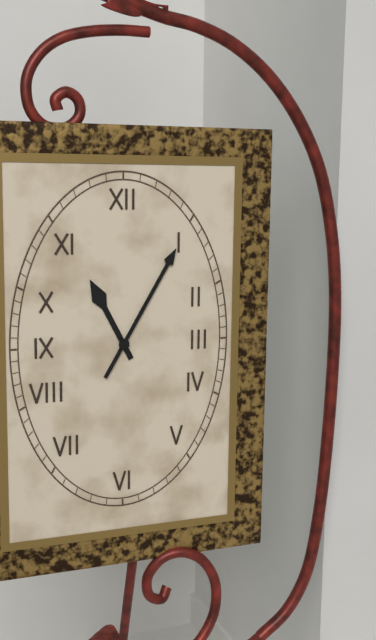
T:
**11:05**
